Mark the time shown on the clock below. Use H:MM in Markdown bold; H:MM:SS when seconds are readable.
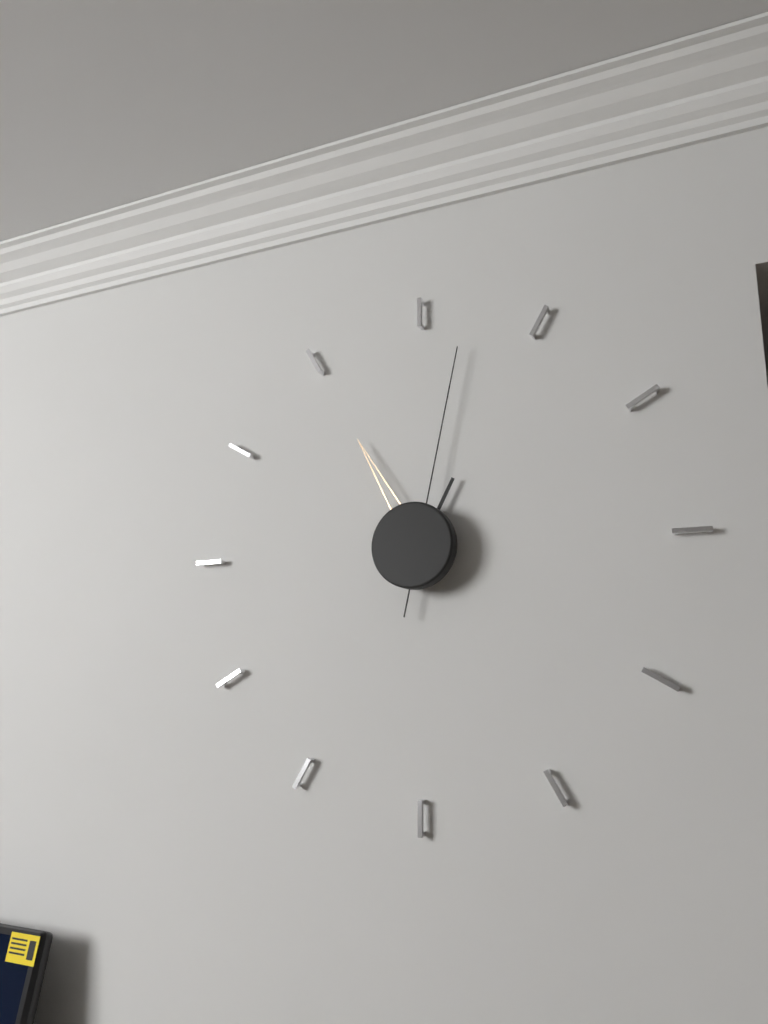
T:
**12:55:02**
